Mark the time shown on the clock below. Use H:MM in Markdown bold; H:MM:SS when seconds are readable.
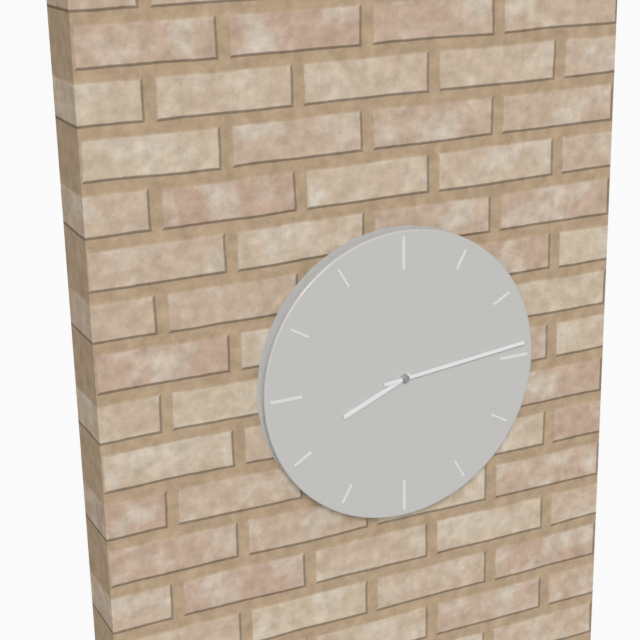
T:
**8:14**
